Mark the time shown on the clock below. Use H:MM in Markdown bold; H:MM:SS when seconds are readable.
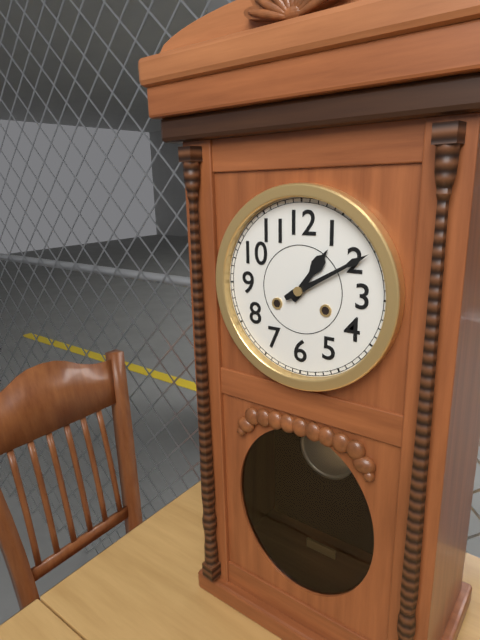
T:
**1:10**
